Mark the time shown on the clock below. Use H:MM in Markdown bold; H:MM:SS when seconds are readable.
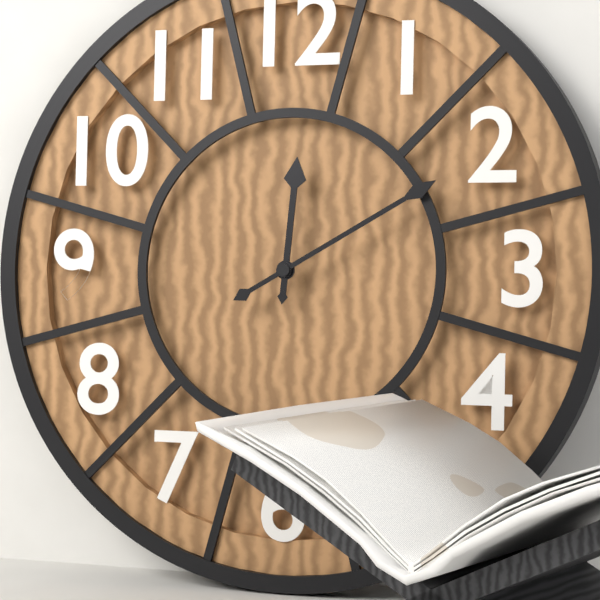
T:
**12:10**
